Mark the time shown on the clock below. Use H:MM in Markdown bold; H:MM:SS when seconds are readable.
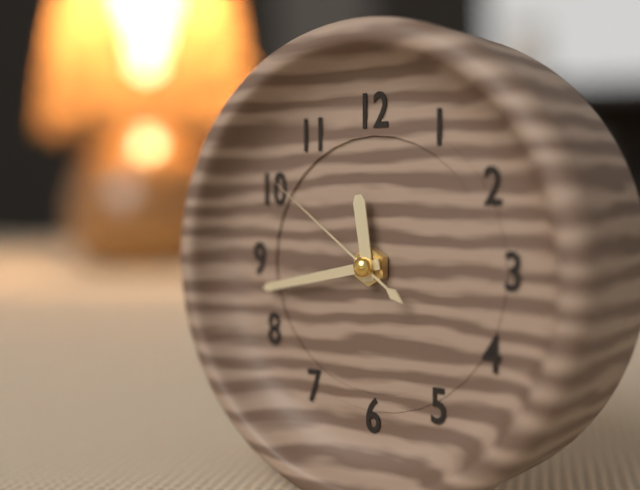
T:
**11:43:51**
